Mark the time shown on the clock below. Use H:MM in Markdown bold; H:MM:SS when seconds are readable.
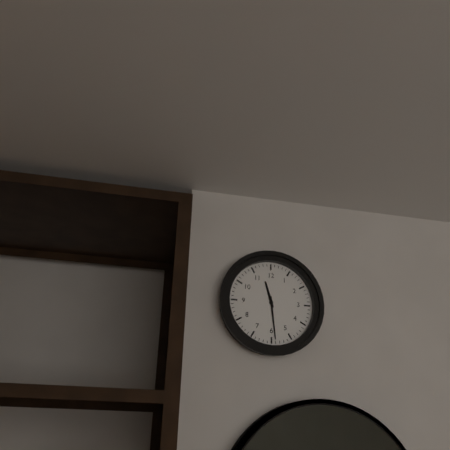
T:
**11:29**
